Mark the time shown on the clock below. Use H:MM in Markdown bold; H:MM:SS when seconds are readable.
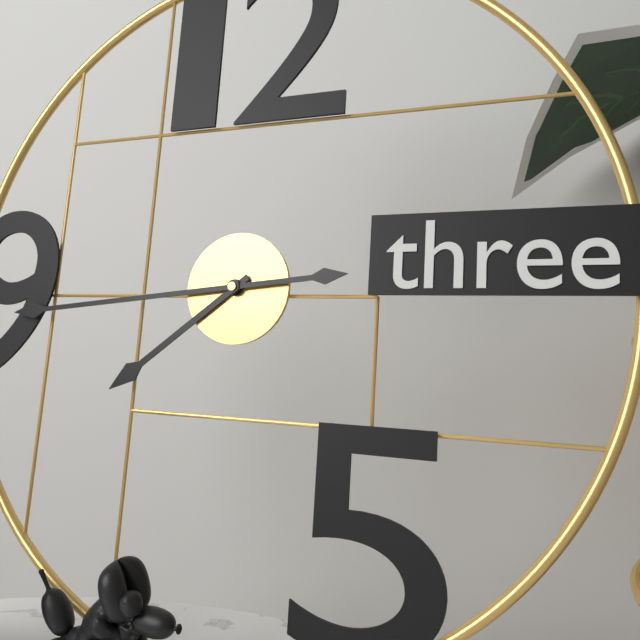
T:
**7:44**
